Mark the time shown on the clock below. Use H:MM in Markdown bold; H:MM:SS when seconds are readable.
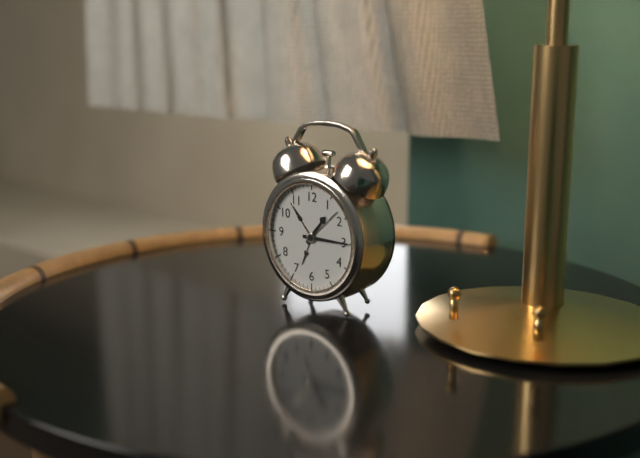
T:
**1:15**
